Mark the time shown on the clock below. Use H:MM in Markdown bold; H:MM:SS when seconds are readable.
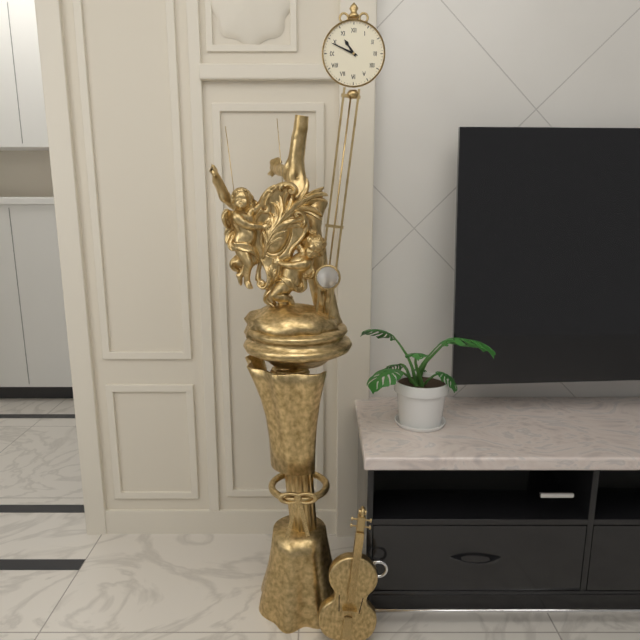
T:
**10:49**
